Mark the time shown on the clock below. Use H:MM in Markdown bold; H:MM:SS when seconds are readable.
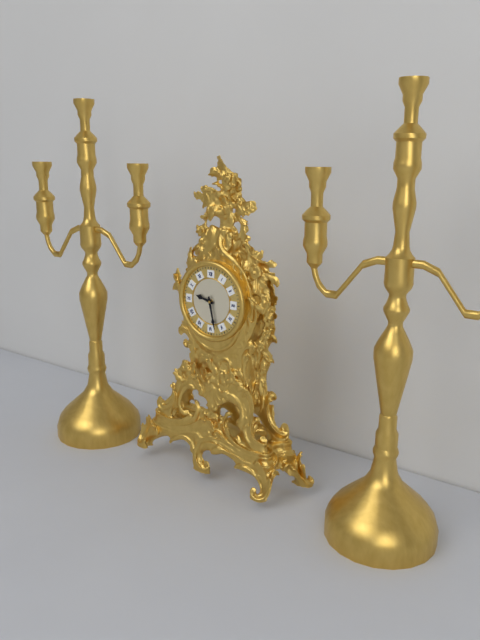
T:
**9:28**
